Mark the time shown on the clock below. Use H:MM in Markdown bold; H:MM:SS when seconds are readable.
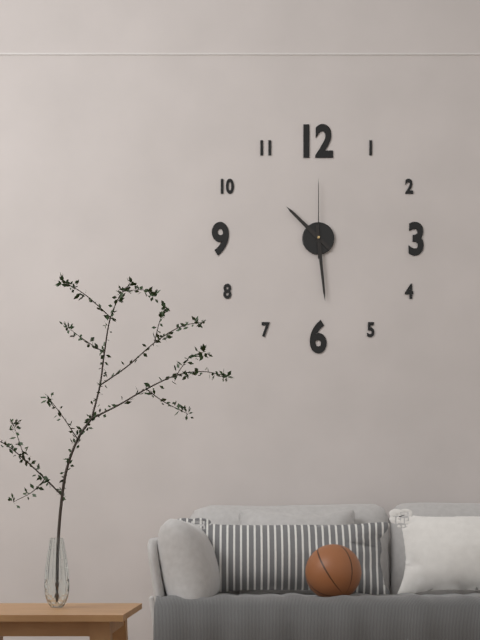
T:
**10:29:00**
